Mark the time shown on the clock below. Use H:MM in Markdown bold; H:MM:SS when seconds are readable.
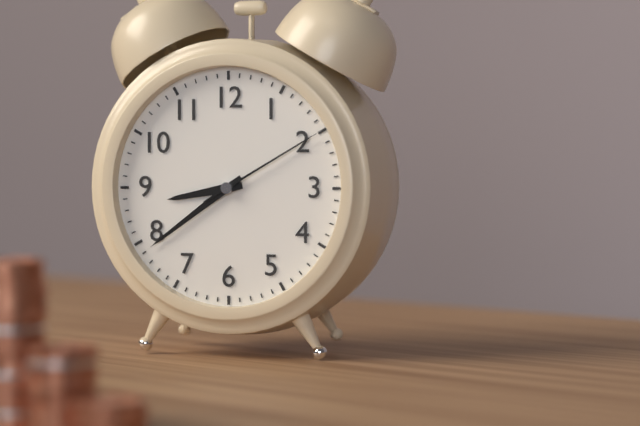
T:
**8:39:10**
